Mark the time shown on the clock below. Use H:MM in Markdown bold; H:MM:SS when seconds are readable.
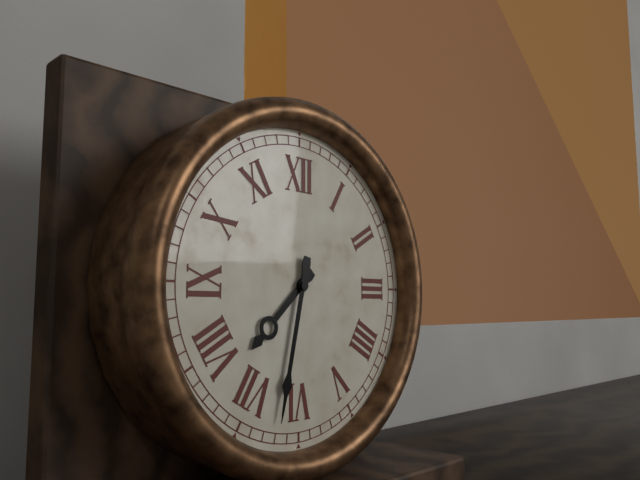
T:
**7:32**
